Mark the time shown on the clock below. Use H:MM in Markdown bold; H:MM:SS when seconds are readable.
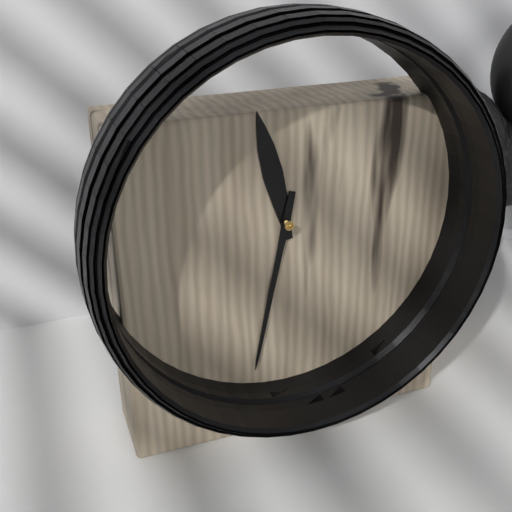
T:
**11:32**
